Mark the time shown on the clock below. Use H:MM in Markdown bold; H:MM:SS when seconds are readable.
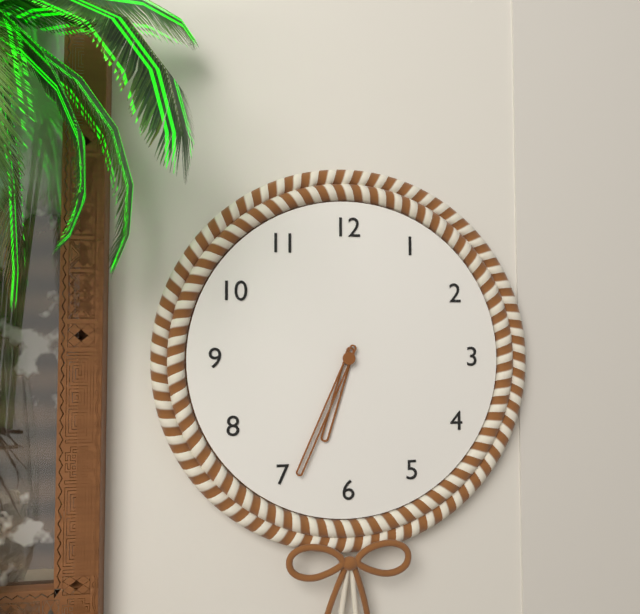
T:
**6:34**
